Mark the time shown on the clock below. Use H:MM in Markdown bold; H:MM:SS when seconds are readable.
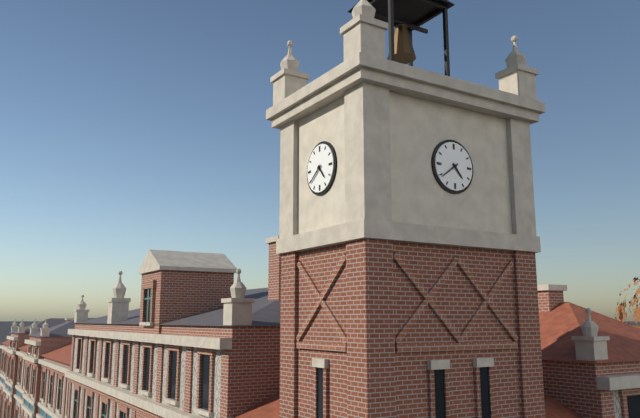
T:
**4:39**
